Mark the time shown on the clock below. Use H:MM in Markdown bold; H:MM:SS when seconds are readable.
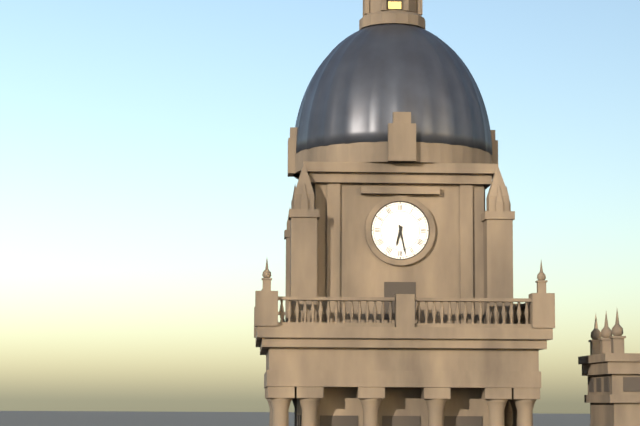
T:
**6:28**
